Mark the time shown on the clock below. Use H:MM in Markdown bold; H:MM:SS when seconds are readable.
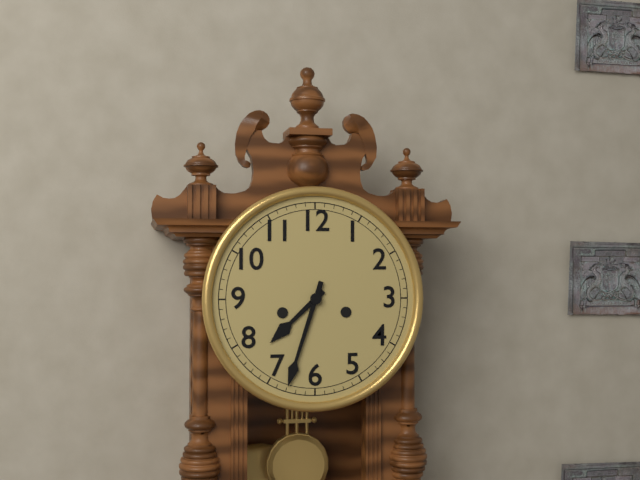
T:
**7:33**
